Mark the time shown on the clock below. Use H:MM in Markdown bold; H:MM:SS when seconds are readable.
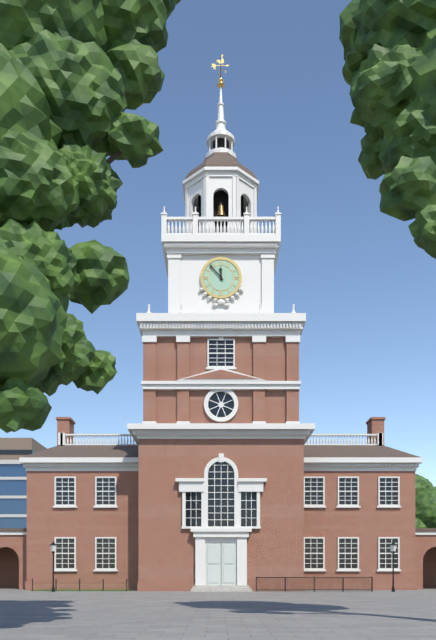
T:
**11:53**
